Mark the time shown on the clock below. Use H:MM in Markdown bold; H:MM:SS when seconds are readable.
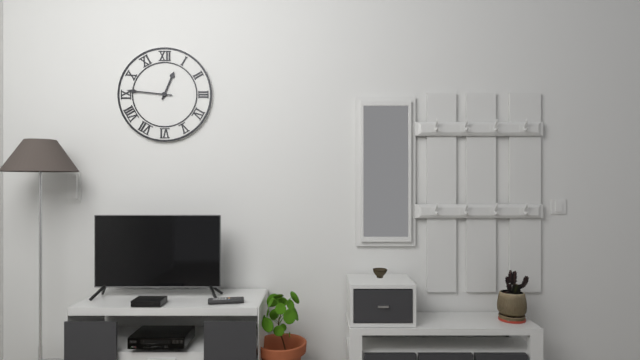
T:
**12:46**
